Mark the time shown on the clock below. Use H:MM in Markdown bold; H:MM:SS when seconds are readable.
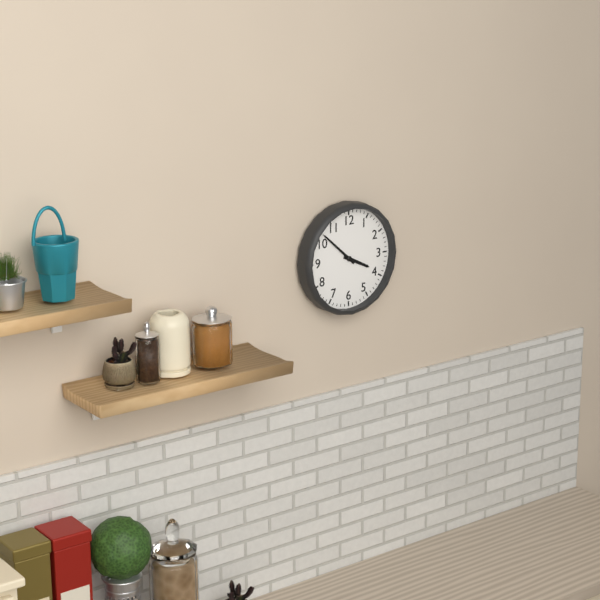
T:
**3:52**
